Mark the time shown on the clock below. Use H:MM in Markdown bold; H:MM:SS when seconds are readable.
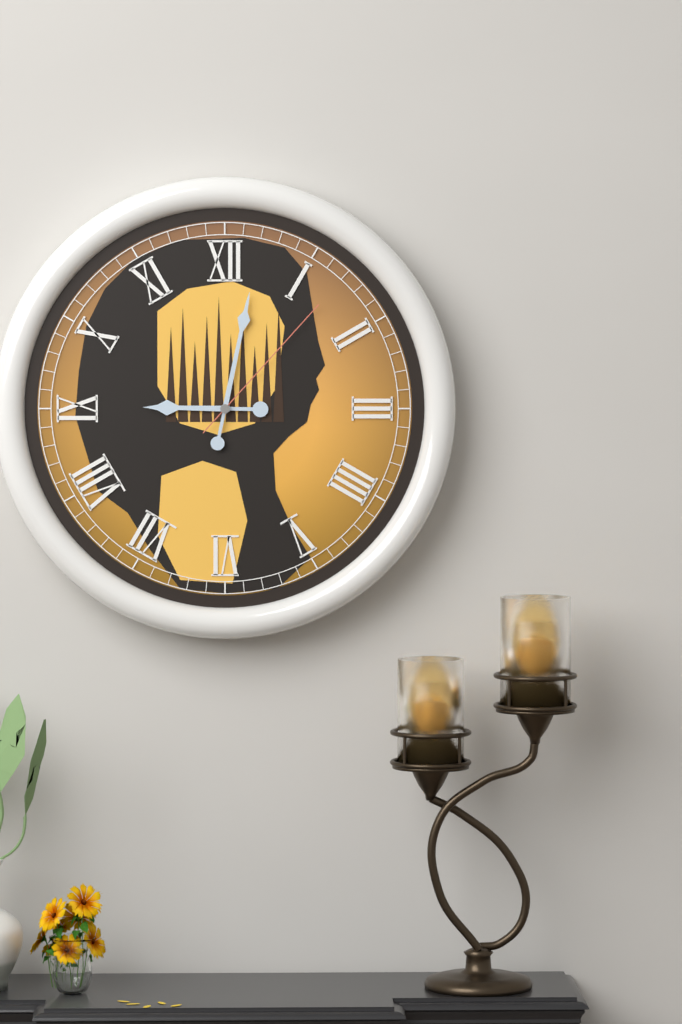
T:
**9:02:07**
